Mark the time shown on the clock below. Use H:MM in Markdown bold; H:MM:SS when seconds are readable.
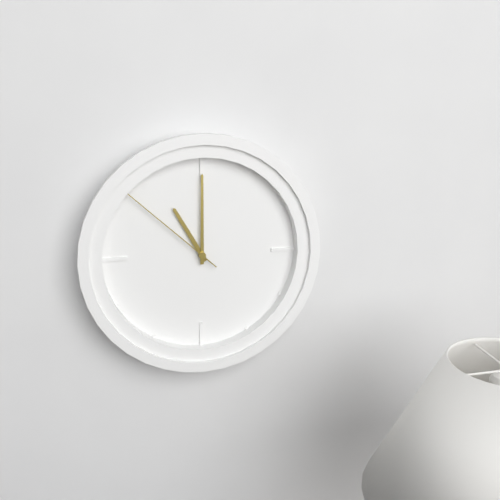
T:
**11:00:52**
